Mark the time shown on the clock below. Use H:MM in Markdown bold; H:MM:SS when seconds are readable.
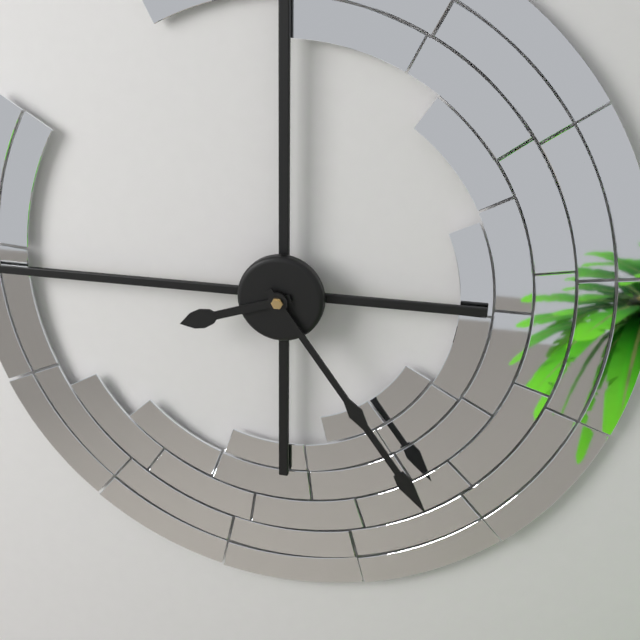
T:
**8:24**
